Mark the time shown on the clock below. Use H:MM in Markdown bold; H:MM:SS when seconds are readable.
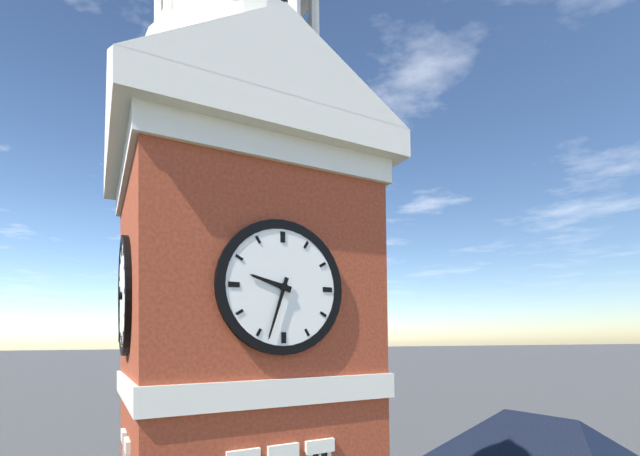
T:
**9:33**
